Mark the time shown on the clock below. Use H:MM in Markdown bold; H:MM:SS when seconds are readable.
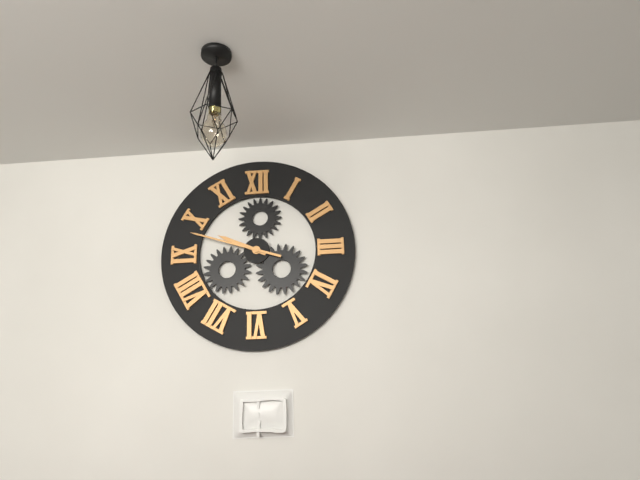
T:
**9:48**
